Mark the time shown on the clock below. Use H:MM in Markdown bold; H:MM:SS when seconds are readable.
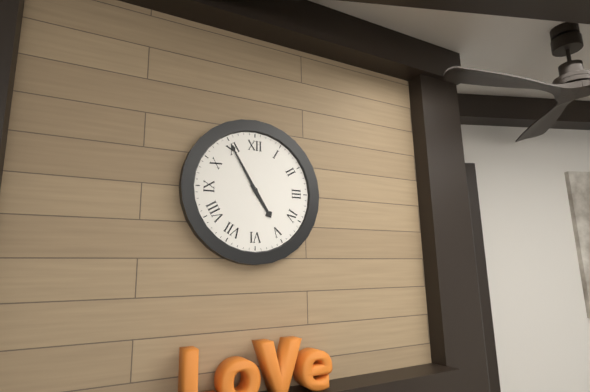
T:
**4:55**
